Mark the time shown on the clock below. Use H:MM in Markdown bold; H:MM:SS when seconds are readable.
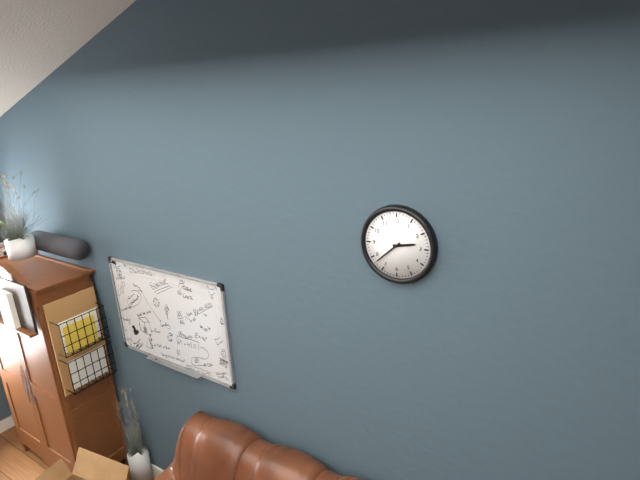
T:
**2:38**
